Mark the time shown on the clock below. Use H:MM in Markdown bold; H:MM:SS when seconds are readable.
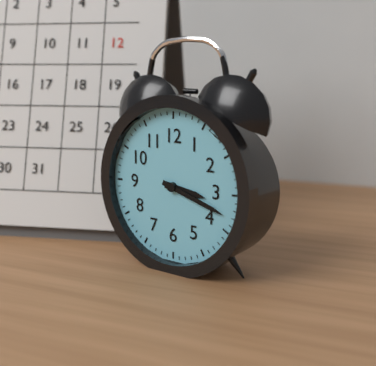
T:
**3:18**
